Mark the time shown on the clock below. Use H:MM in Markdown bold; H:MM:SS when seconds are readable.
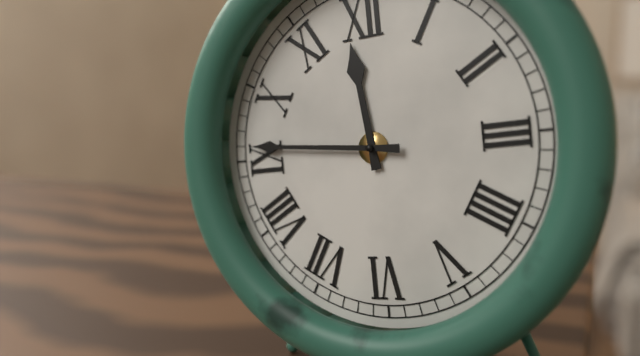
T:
**11:46**
